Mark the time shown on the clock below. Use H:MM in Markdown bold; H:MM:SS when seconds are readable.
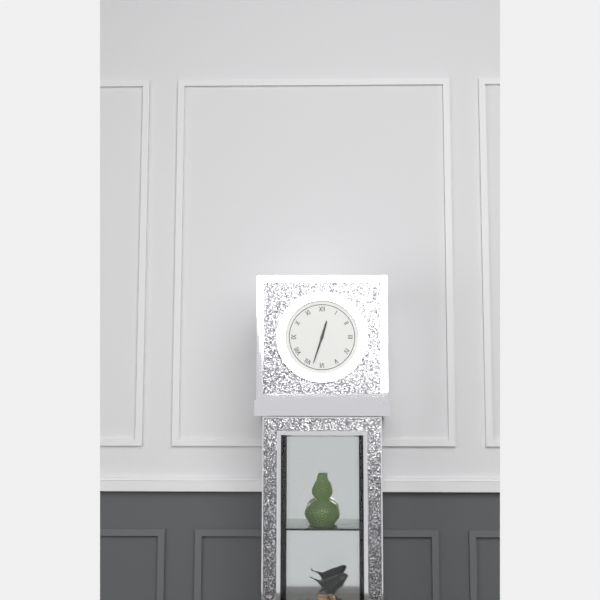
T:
**12:33**
